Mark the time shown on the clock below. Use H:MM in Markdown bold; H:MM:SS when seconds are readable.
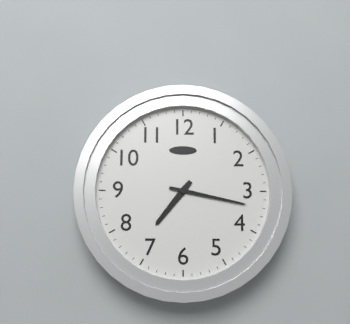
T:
**7:17**
